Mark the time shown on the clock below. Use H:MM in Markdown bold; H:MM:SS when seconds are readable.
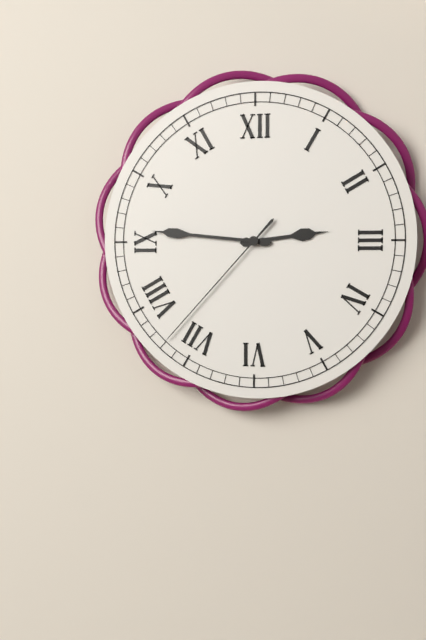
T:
**2:46:37**
